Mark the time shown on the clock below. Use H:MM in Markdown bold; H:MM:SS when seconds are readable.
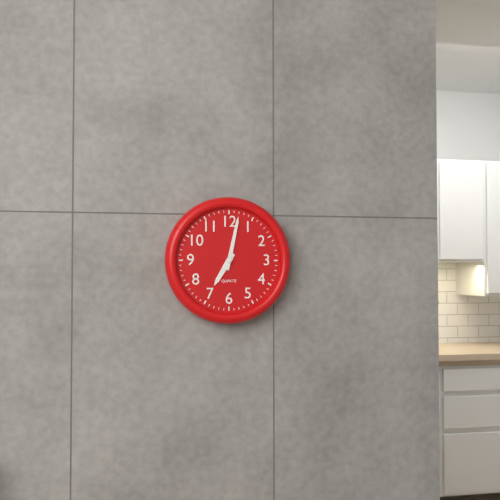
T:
**7:02**
